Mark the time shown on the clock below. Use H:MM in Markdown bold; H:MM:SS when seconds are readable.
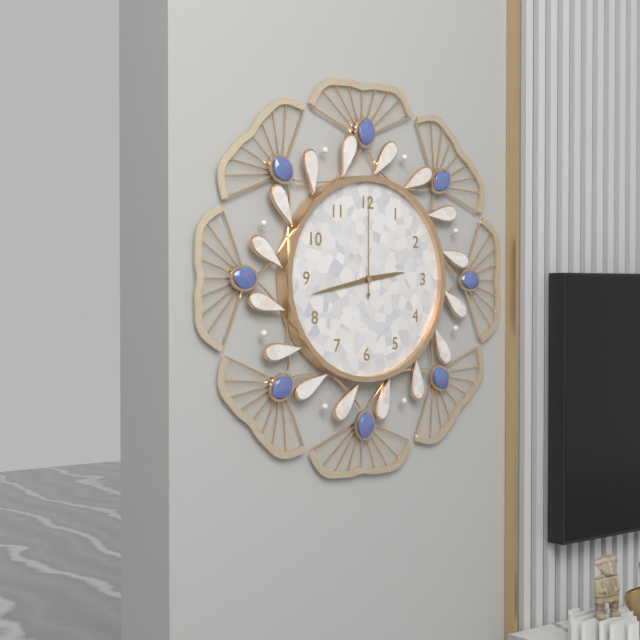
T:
**2:43:00**
